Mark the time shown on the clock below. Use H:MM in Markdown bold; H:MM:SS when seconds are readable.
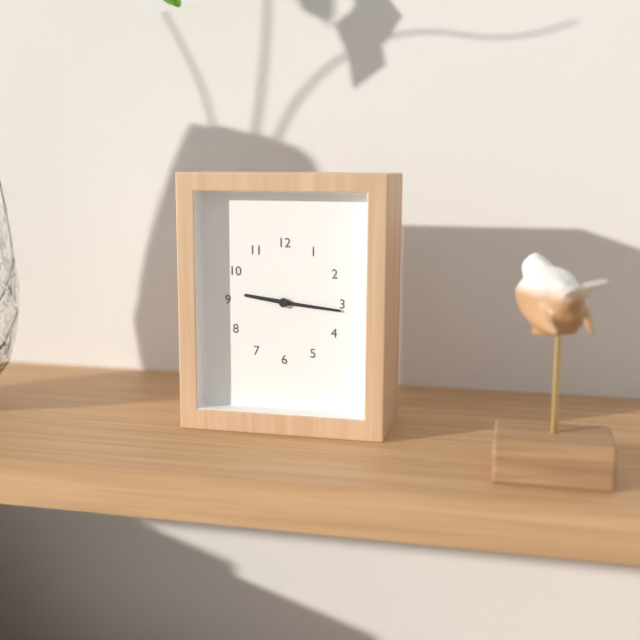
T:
**9:16**
